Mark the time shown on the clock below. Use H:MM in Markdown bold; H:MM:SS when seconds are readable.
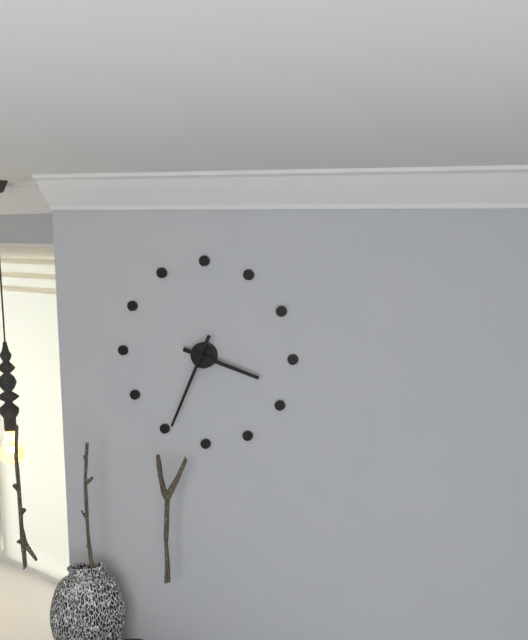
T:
**3:34**
